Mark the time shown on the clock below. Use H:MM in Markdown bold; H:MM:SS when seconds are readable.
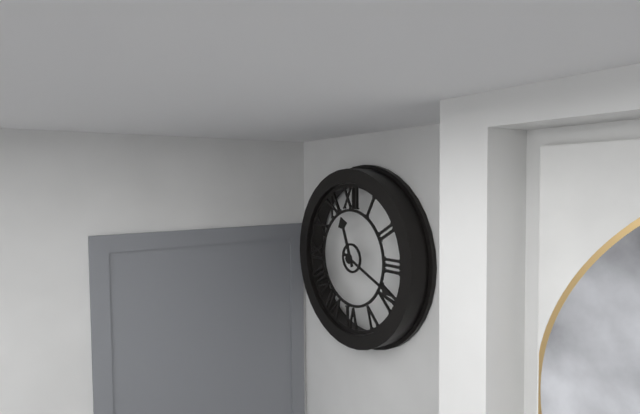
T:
**11:19**
